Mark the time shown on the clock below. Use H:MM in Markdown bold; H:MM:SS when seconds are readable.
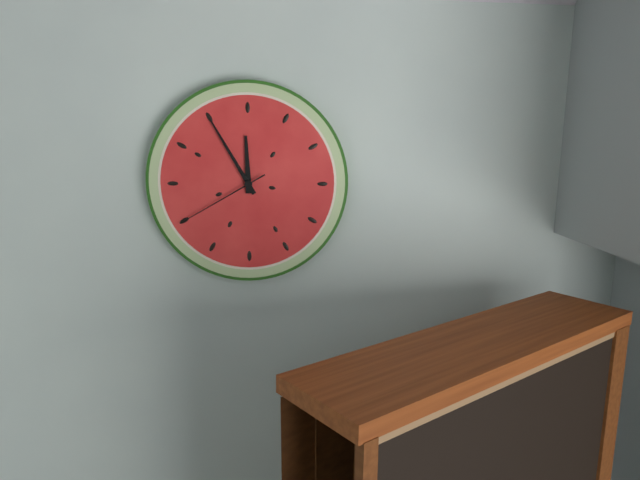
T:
**11:55:40**
